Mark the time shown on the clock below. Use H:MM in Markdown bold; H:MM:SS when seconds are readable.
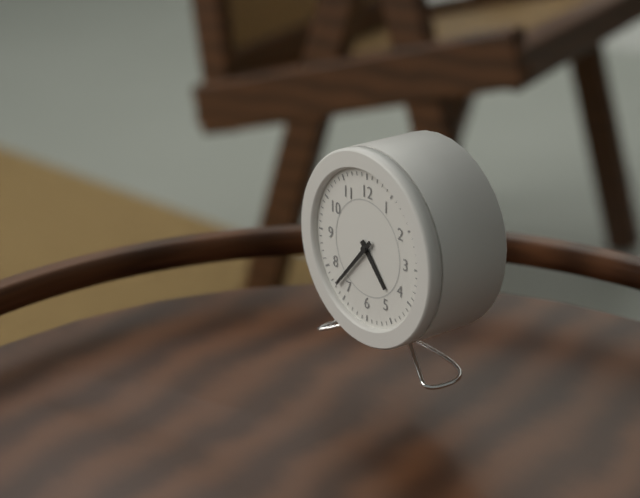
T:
**4:37**
